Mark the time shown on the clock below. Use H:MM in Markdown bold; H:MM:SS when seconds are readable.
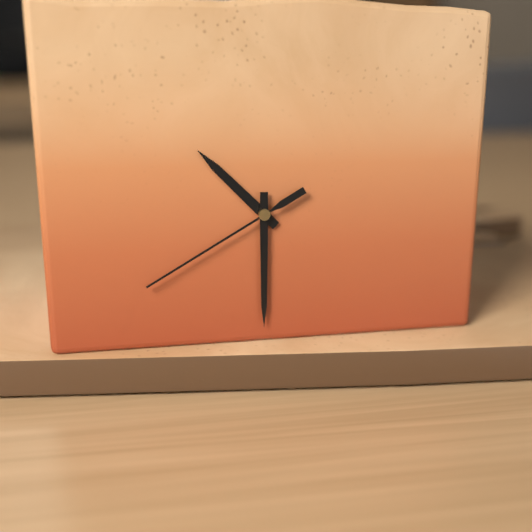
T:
**10:30:40**
